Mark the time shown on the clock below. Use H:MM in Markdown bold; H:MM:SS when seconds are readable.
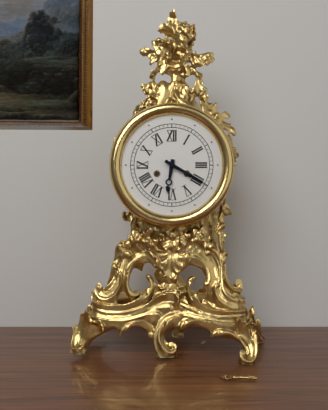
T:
**6:20**
